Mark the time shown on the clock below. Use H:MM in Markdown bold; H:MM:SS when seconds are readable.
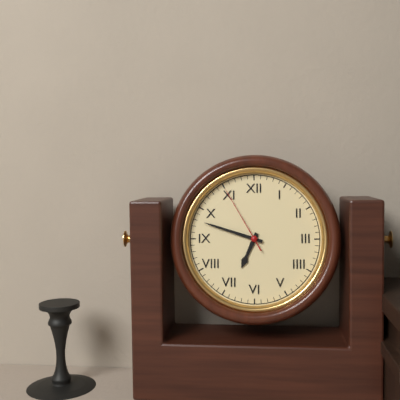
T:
**6:48:55**
